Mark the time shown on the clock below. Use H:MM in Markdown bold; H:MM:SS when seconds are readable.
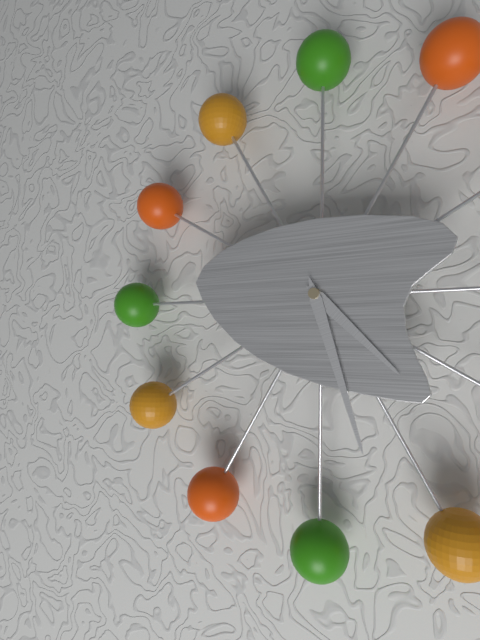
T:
**4:27**
